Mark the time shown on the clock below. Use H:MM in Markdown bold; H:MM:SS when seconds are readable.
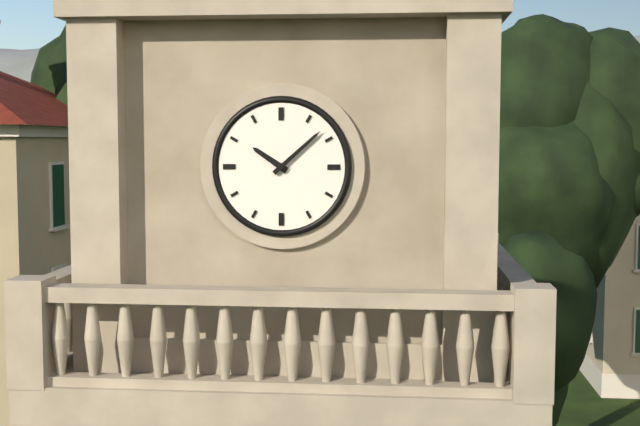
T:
**10:08**
